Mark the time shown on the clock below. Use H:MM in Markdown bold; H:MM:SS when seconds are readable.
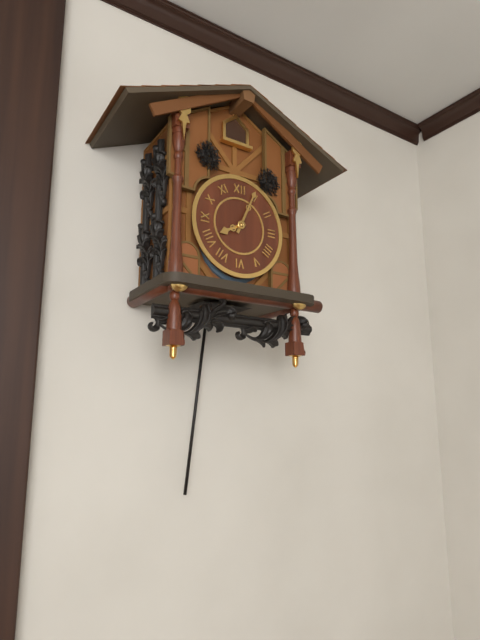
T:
**8:04**
